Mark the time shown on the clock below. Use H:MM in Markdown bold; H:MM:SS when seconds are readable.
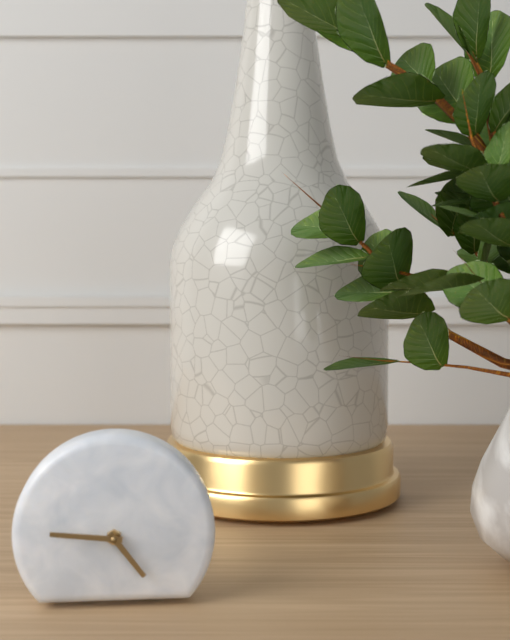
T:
**4:46**
